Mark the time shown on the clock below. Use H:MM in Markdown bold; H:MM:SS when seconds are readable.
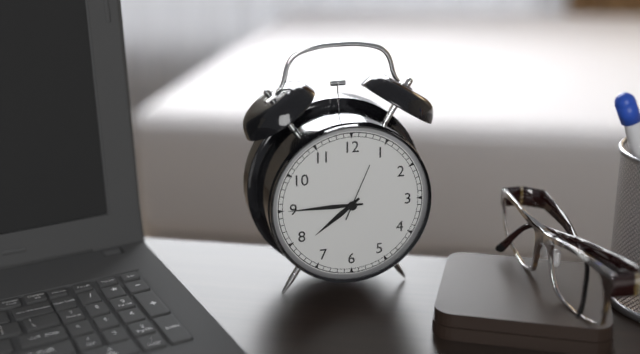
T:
**7:45:04**
